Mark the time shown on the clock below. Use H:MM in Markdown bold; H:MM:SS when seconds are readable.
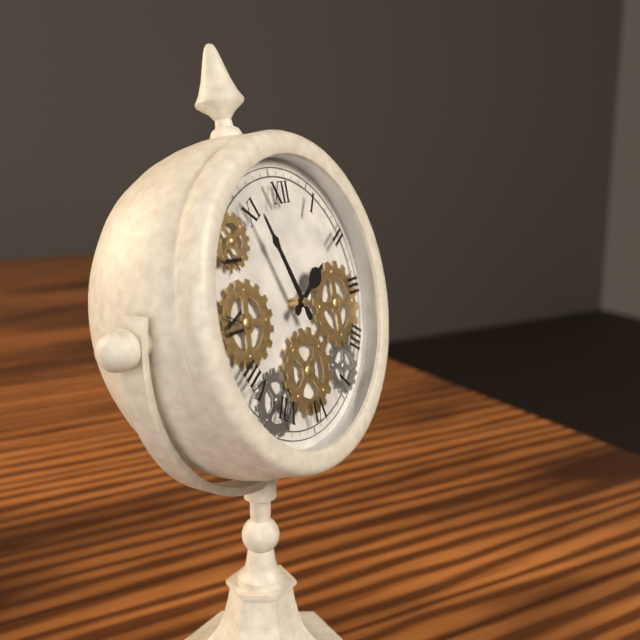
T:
**1:56**
